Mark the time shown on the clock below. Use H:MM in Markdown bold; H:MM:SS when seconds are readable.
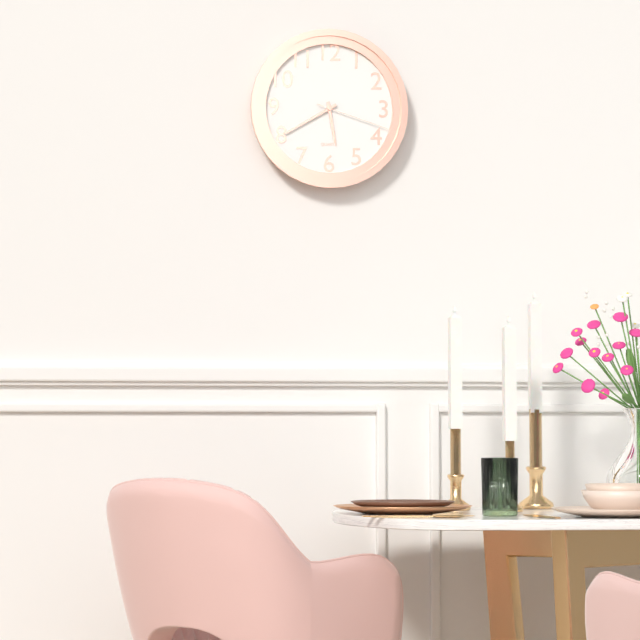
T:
**5:40:18**
